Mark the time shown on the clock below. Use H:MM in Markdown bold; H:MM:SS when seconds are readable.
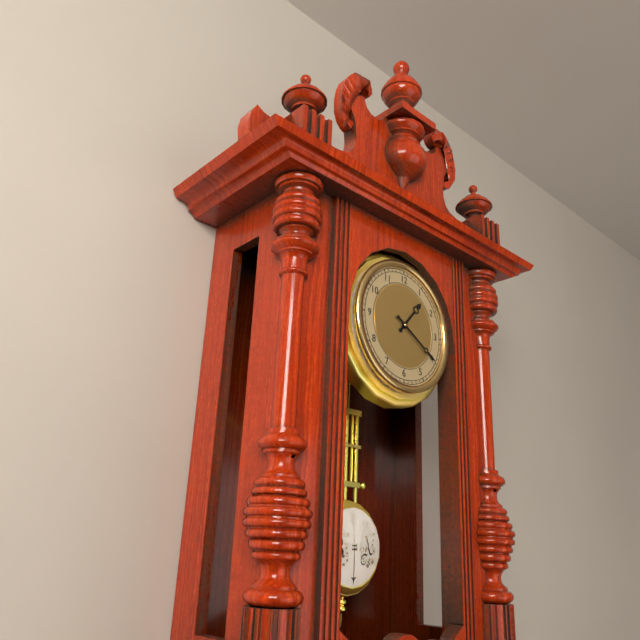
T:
**1:20**
